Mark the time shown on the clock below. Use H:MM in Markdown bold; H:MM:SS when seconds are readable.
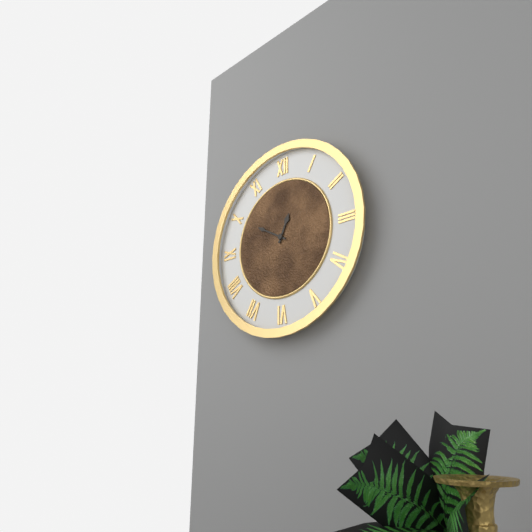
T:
**12:50**
